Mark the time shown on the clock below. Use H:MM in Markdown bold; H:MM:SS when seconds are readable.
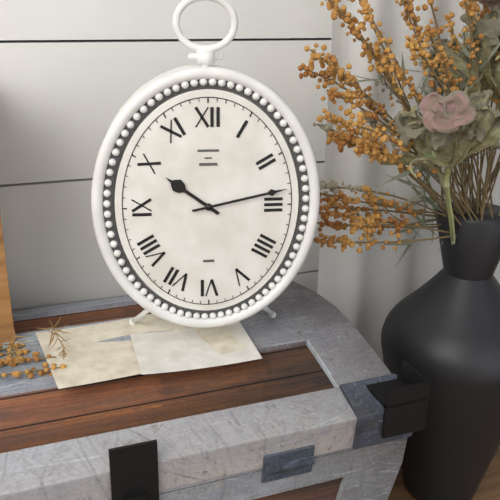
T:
**10:13**
